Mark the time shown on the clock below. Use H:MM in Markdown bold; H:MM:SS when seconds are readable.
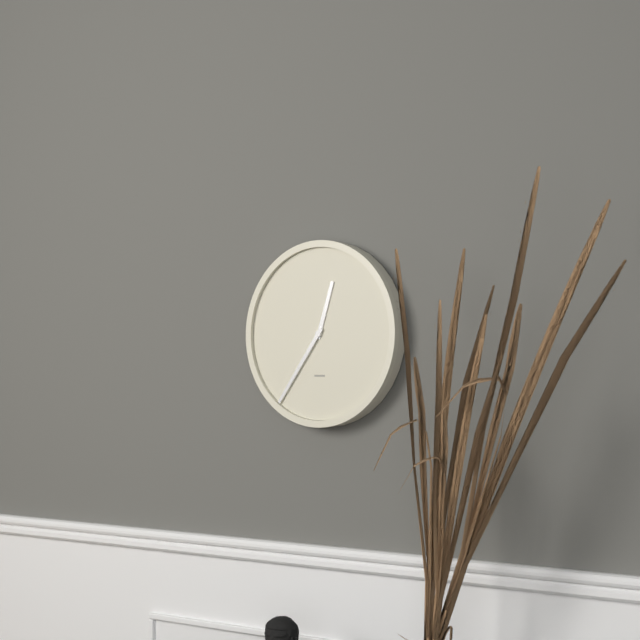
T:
**12:36**
